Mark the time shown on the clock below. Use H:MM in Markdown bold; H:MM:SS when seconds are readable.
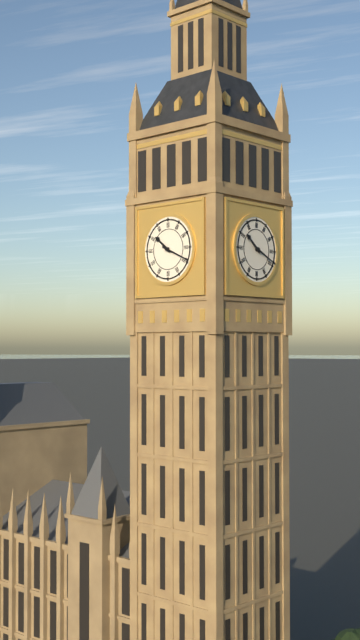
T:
**10:19**
